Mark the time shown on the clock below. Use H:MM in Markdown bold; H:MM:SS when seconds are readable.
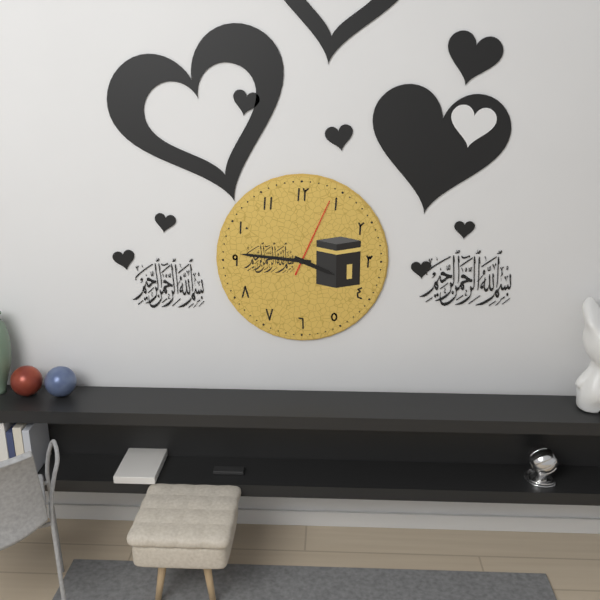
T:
**3:46:04**
